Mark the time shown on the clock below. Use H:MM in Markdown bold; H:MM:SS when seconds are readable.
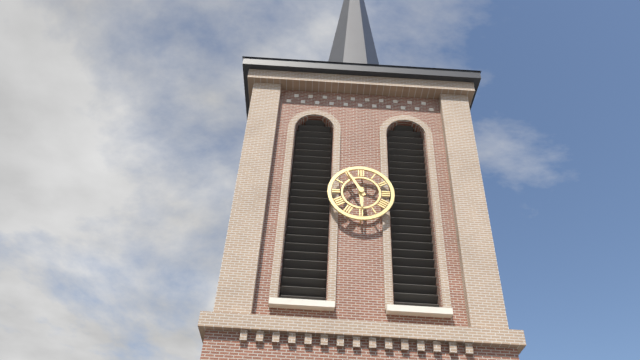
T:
**5:55**
